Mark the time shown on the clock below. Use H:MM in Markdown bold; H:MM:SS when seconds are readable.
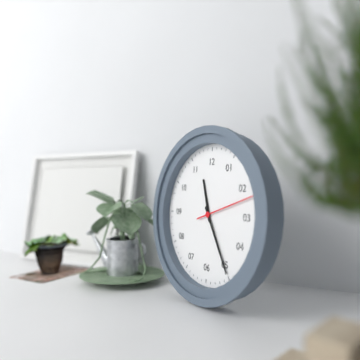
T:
**11:25:12**
